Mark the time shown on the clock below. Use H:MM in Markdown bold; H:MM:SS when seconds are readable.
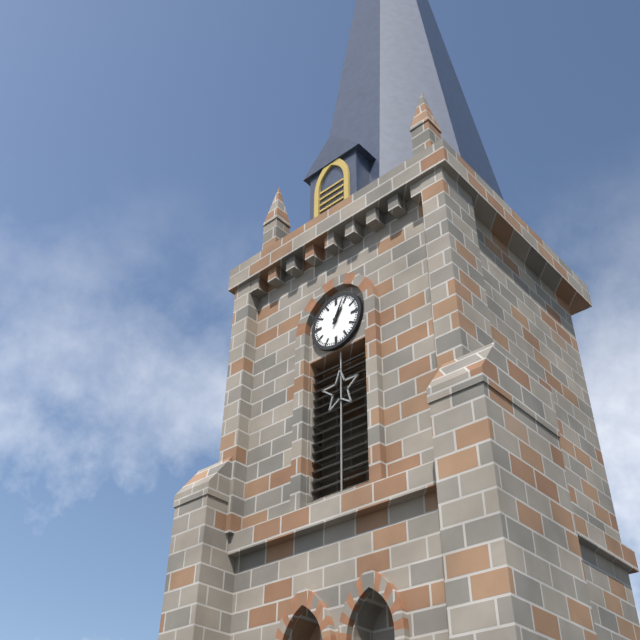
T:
**1:04**
